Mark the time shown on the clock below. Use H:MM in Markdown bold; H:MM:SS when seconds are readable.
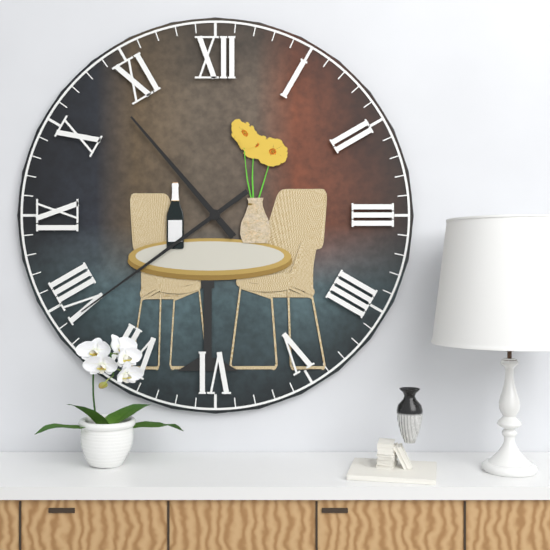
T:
**10:39**
